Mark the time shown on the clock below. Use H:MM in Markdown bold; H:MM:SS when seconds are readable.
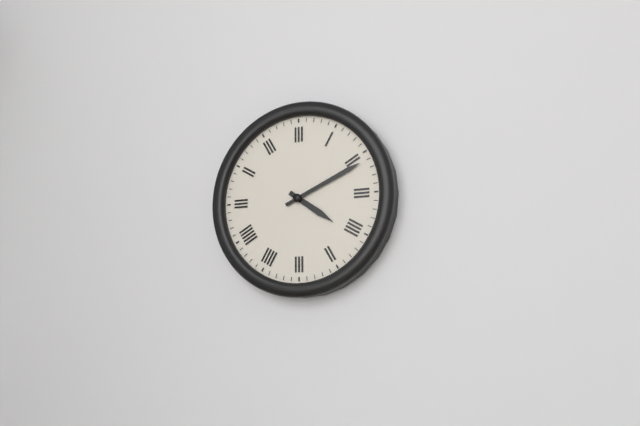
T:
**4:11**
